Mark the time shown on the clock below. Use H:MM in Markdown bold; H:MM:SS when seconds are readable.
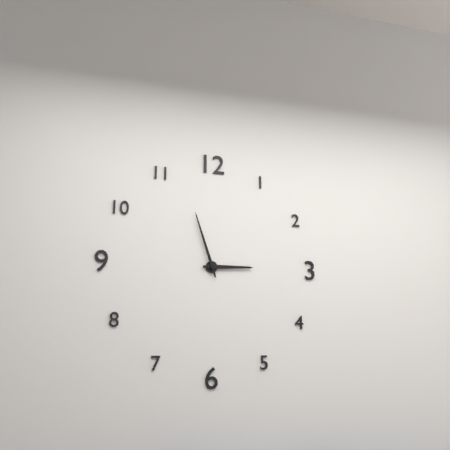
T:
**2:57**
